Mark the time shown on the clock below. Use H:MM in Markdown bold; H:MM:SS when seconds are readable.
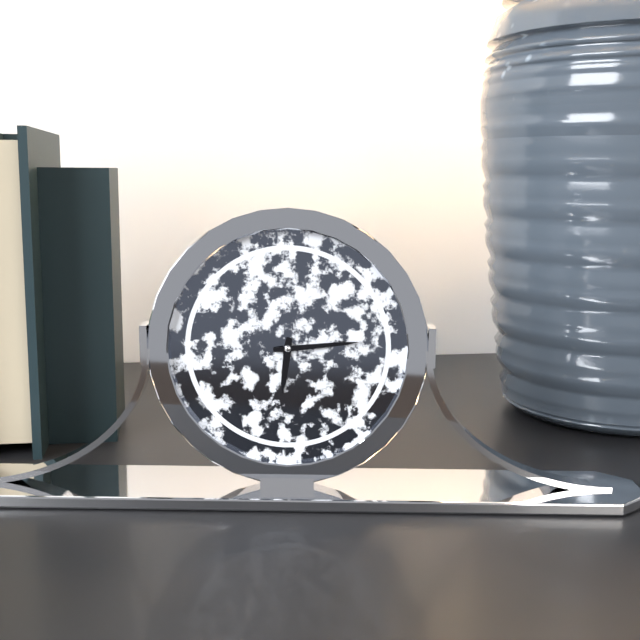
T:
**6:14**
